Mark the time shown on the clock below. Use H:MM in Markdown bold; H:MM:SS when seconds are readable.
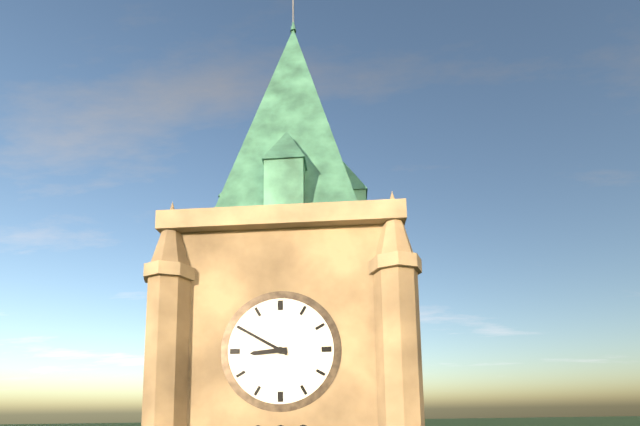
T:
**8:50**
